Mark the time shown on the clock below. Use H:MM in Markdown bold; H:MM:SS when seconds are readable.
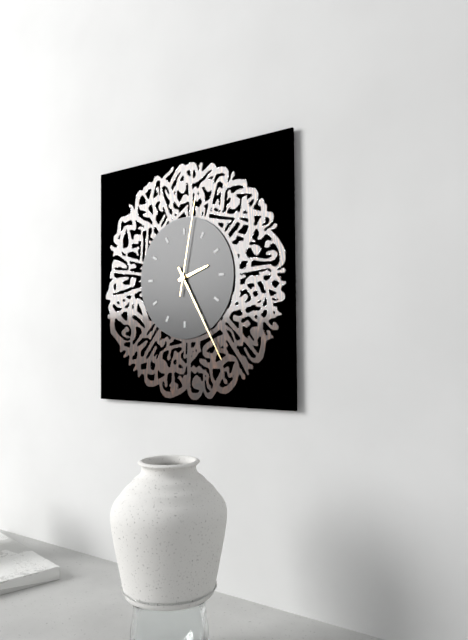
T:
**2:25:02**
